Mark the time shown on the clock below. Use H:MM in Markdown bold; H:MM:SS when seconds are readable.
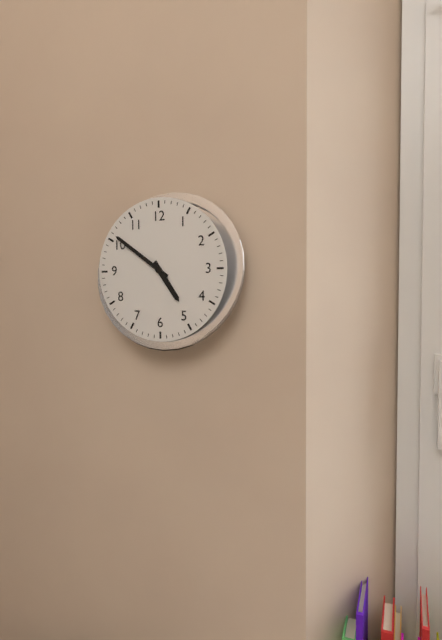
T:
**4:51**
